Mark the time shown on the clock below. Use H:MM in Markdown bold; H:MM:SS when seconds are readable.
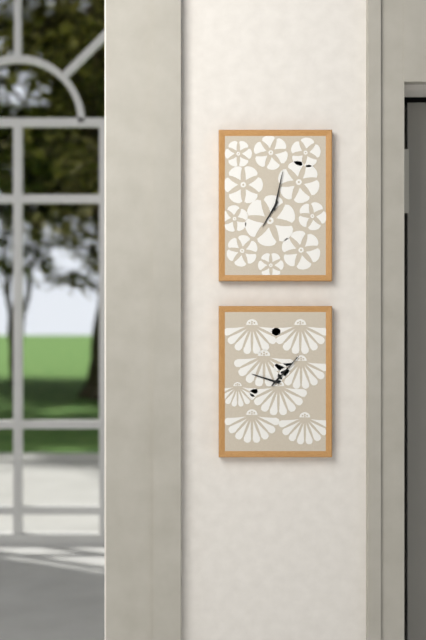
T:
**7:02**
